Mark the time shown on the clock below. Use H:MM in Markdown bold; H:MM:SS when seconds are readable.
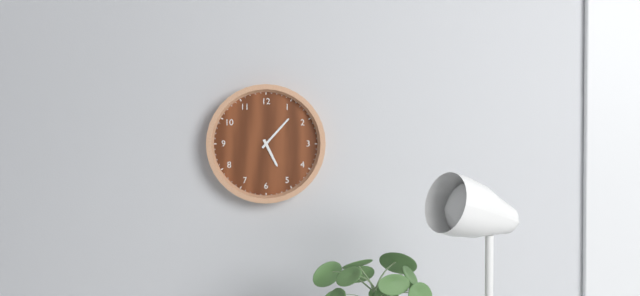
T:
**5:07**
